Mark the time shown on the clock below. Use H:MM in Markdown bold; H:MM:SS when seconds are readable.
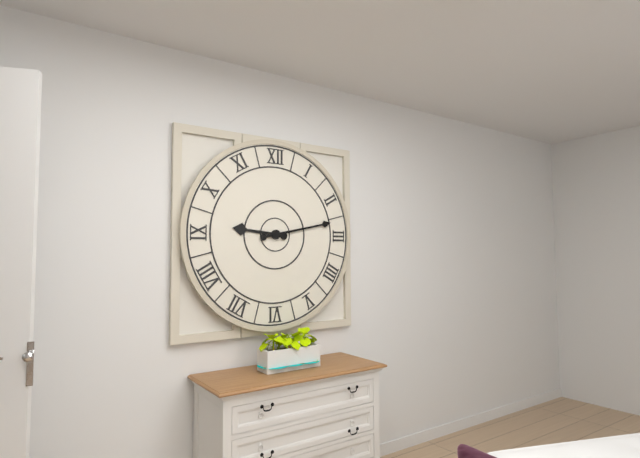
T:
**9:13**
